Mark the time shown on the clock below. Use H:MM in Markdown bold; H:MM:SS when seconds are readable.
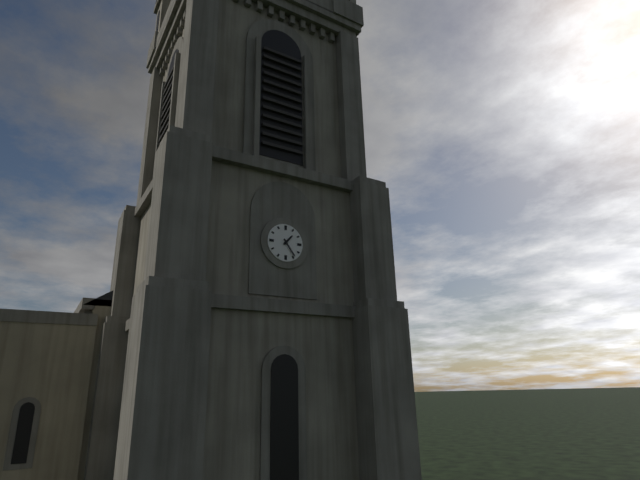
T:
**1:24**
